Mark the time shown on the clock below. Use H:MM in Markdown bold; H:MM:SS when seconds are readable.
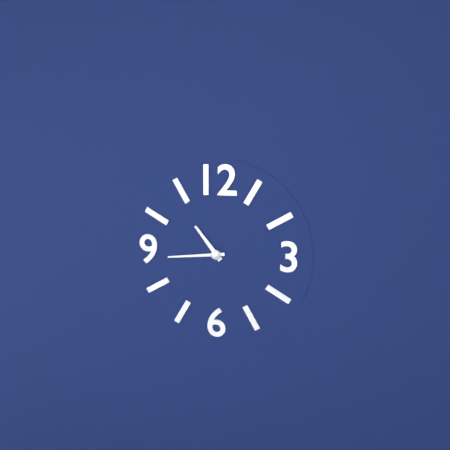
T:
**10:44**
